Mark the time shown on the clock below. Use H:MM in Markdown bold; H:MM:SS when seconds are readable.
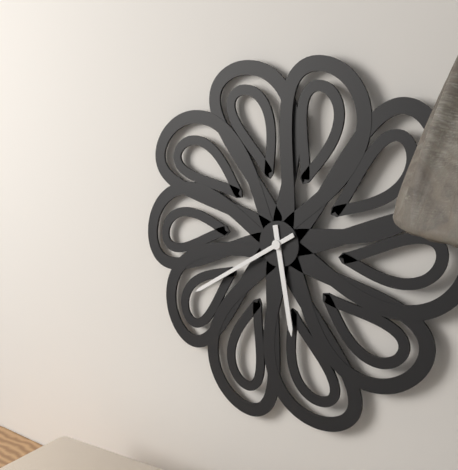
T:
**5:40**
